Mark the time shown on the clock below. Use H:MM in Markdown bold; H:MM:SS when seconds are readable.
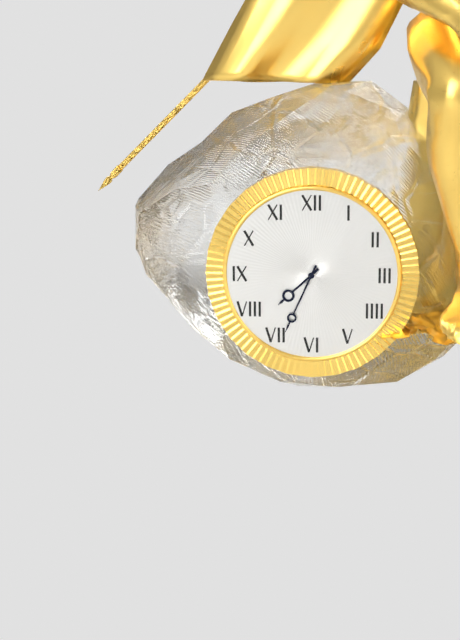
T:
**7:34**
